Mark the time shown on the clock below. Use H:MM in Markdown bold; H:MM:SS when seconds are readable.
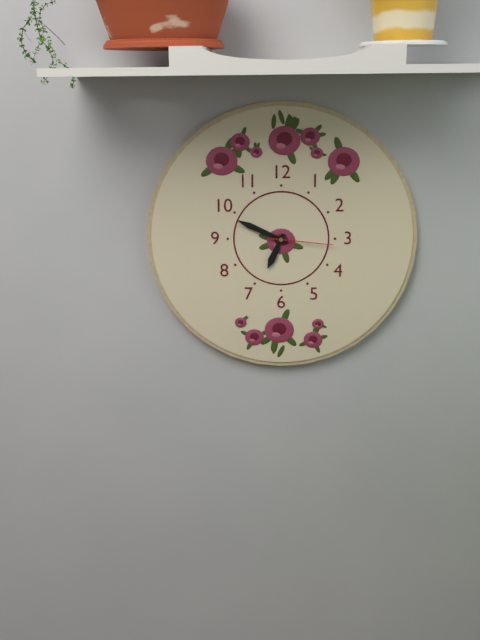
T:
**6:49:16**
